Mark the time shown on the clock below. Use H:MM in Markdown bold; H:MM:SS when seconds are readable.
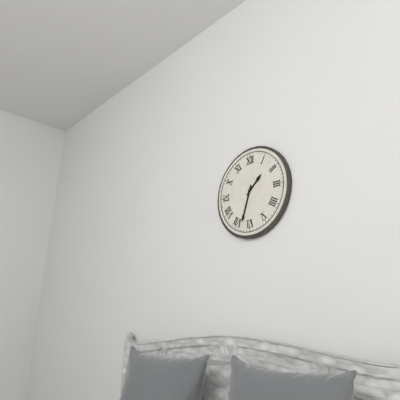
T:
**1:33**
